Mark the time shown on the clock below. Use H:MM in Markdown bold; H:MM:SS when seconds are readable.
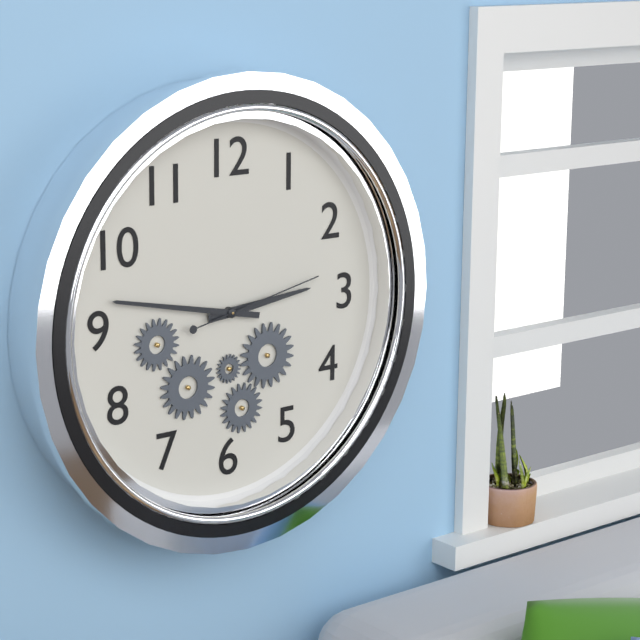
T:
**2:47:13**
